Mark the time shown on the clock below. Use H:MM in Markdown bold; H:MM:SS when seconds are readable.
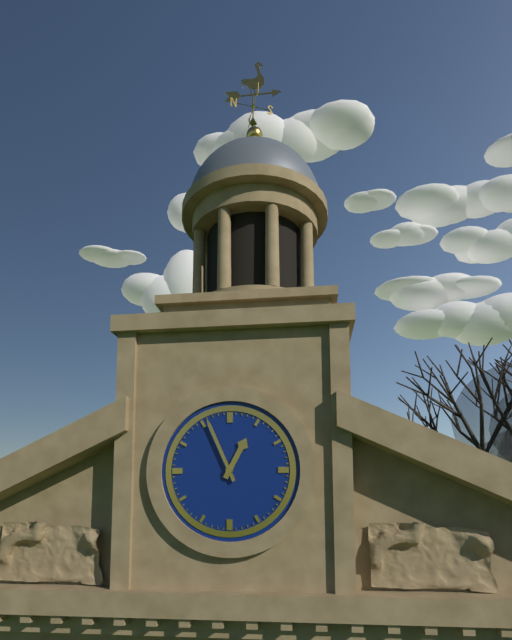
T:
**12:56**
